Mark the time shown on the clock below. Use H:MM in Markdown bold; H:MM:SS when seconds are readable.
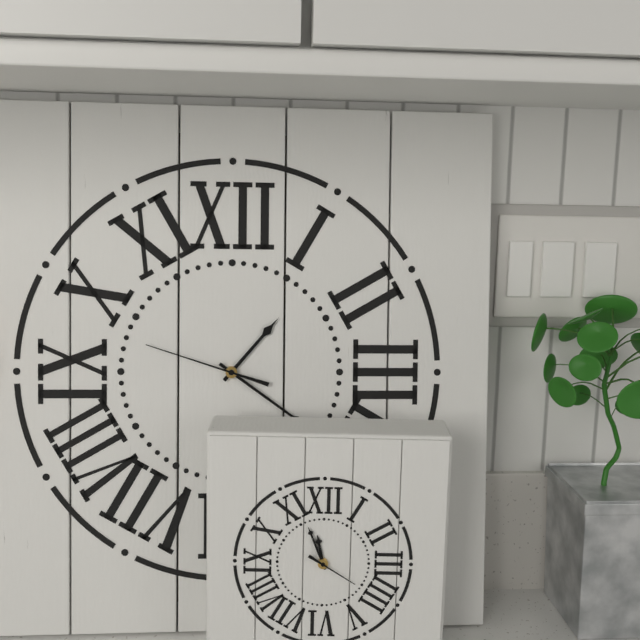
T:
**1:21:48**
